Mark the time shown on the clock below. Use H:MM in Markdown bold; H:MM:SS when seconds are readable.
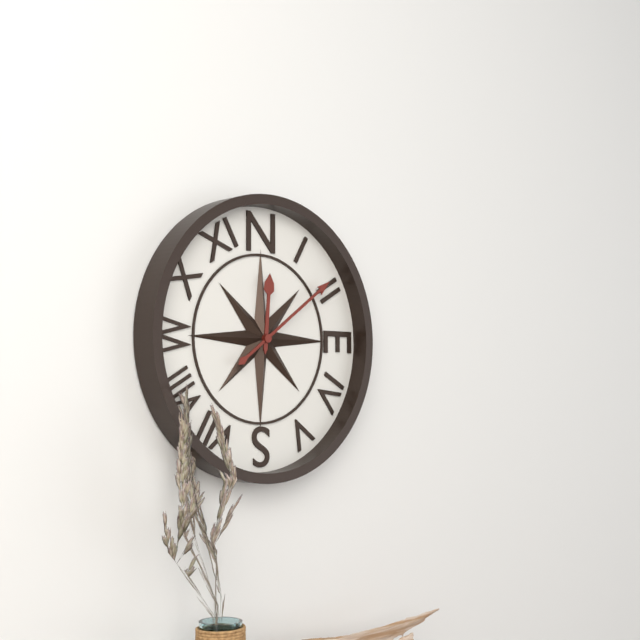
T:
**12:09**
